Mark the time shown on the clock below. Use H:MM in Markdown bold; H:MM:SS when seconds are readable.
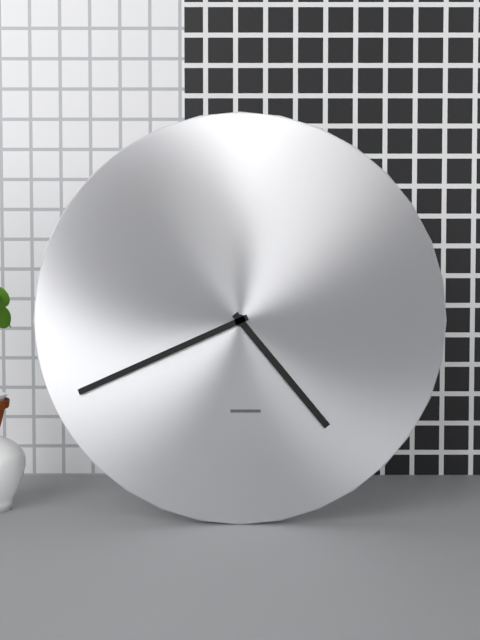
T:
**4:41**
